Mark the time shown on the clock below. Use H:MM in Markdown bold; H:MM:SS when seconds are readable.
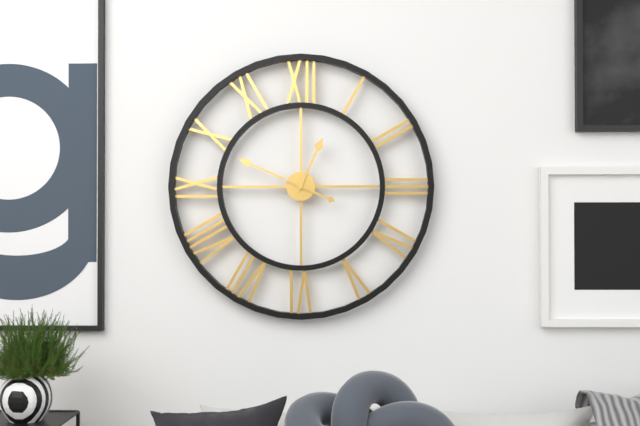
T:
**12:49**
